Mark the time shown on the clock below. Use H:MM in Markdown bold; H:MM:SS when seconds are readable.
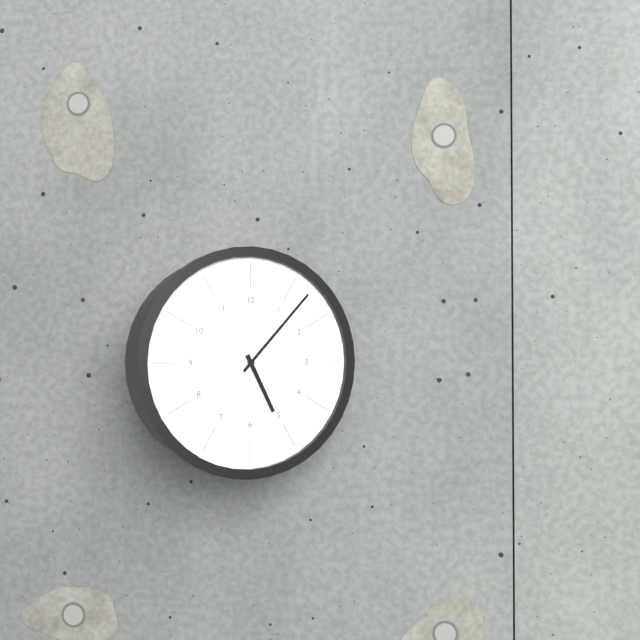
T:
**5:07**
